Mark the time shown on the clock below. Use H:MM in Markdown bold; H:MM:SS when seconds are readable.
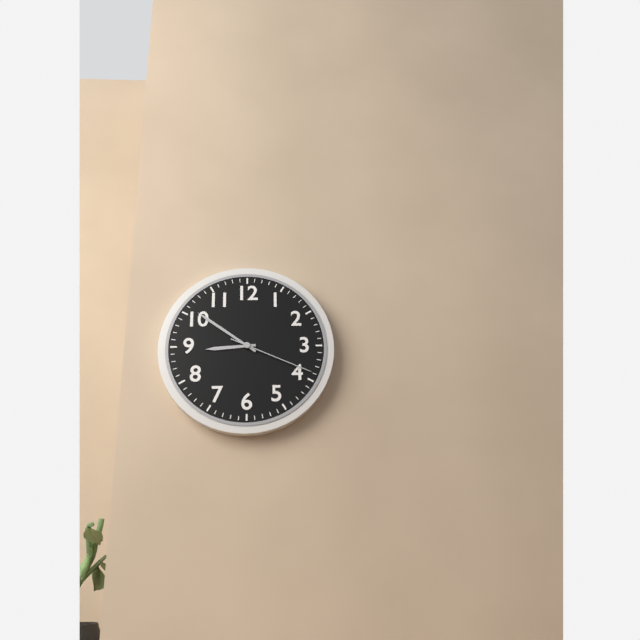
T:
**8:51:19**
